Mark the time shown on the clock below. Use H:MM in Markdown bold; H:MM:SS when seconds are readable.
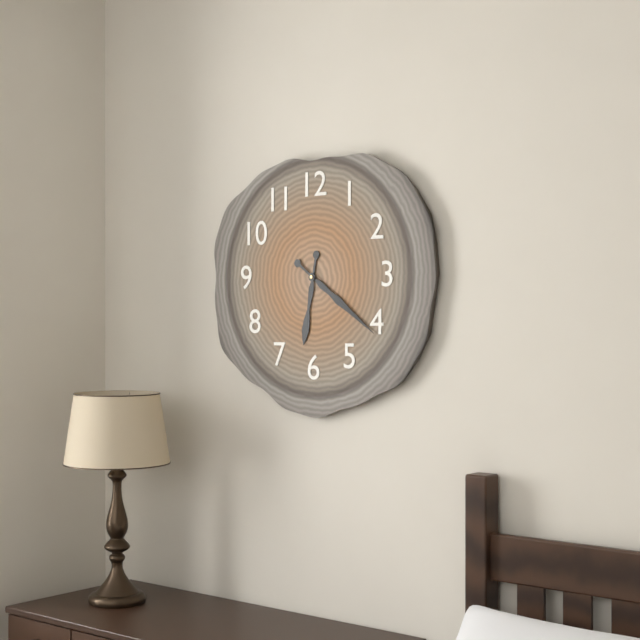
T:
**6:21**
